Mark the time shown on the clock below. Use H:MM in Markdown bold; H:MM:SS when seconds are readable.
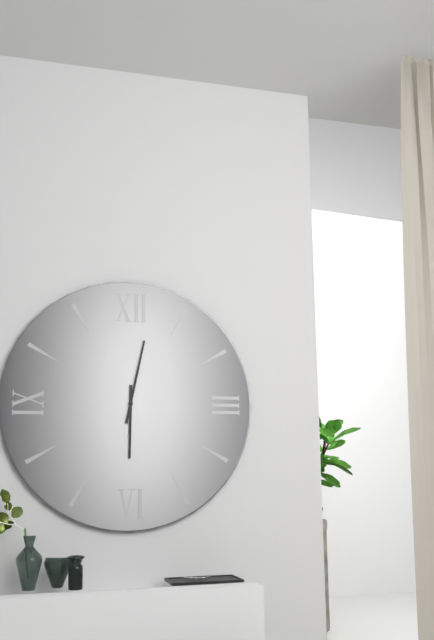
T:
**6:02**
